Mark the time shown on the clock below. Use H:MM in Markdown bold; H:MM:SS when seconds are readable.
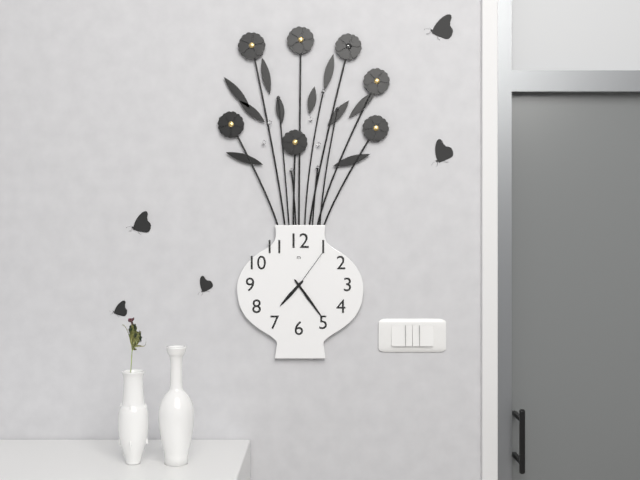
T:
**7:24:06**
